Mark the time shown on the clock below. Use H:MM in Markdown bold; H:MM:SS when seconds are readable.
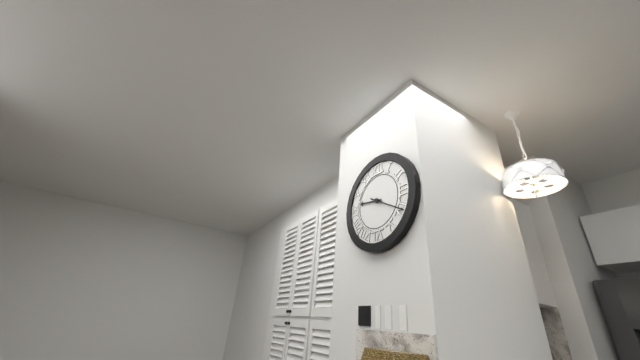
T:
**9:20**
